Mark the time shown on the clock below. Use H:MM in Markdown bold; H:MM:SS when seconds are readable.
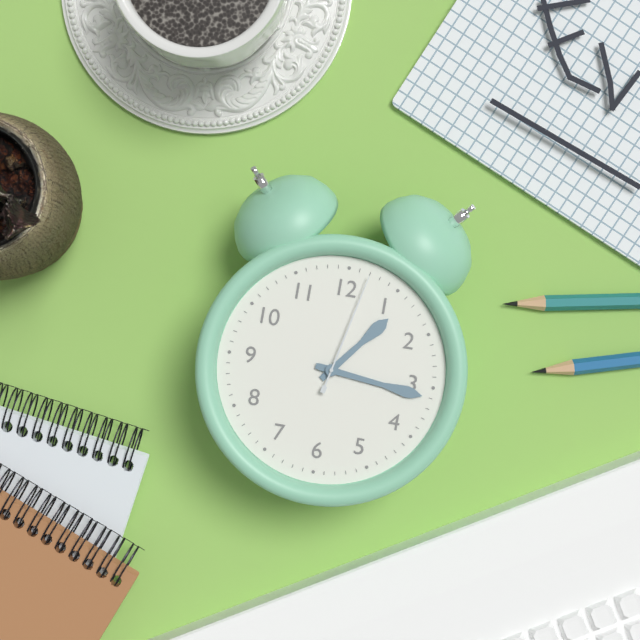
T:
**1:16:02**
